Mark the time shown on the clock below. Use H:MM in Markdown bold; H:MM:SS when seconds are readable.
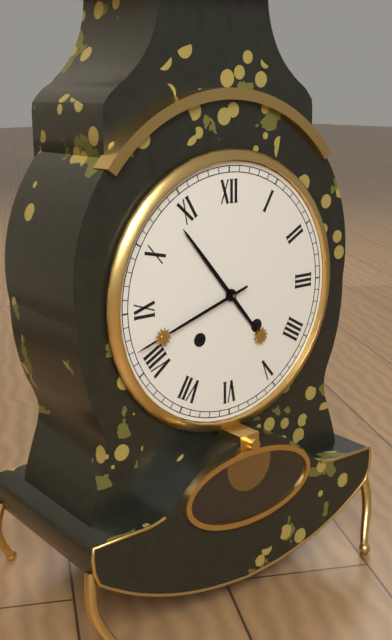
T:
**10:42**
